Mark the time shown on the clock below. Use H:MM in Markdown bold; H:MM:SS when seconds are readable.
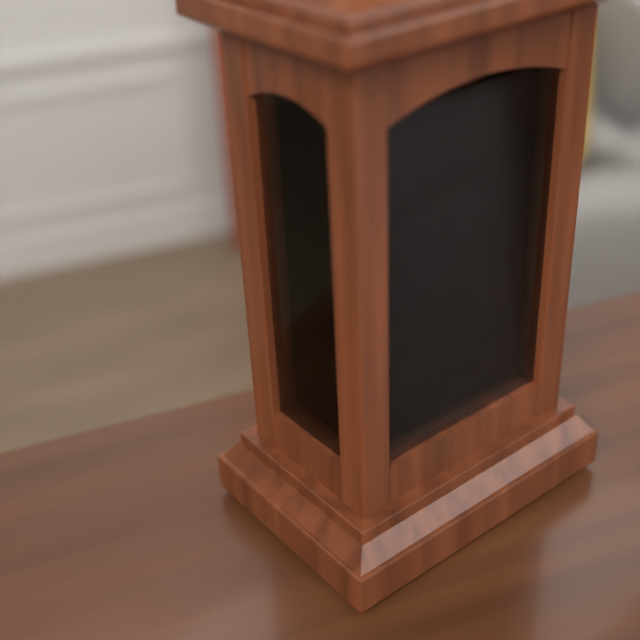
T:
**5:45**
